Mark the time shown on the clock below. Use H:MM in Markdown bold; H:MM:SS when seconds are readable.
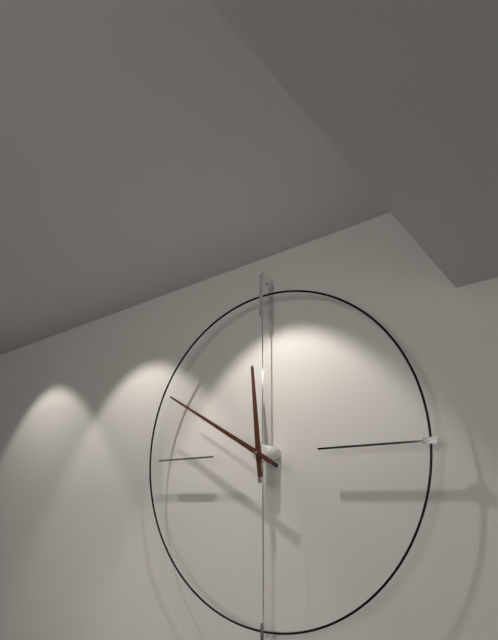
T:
**11:50**
